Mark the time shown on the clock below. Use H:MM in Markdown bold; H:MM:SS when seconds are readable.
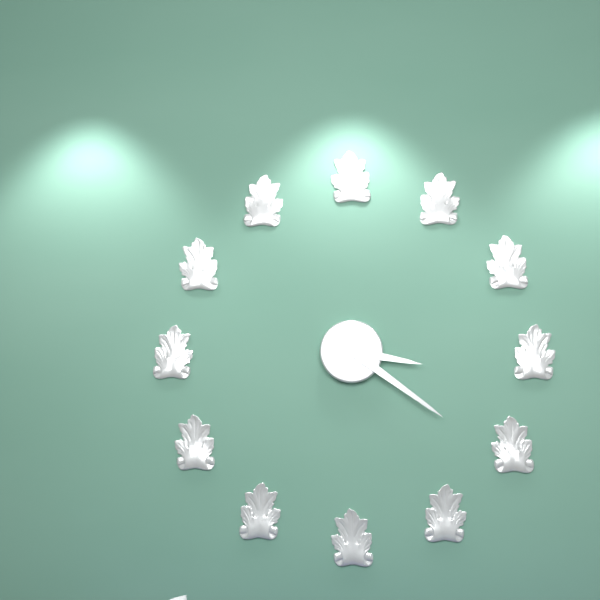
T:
**3:21**
